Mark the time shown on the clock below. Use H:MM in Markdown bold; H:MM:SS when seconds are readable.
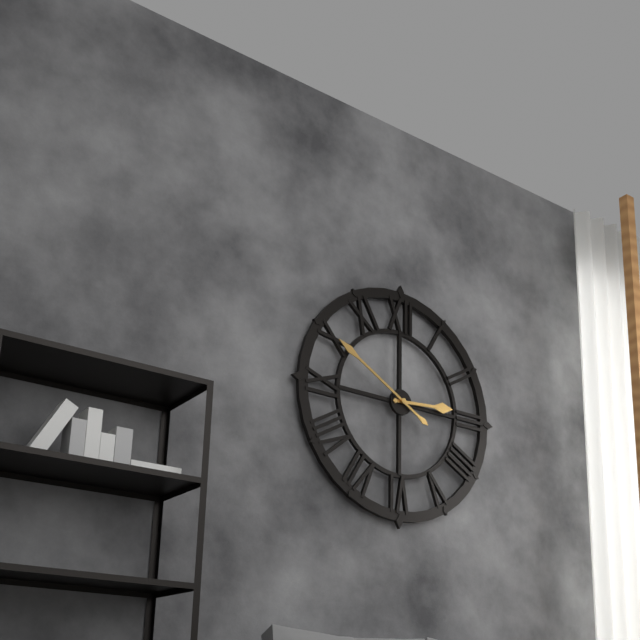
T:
**2:50**
